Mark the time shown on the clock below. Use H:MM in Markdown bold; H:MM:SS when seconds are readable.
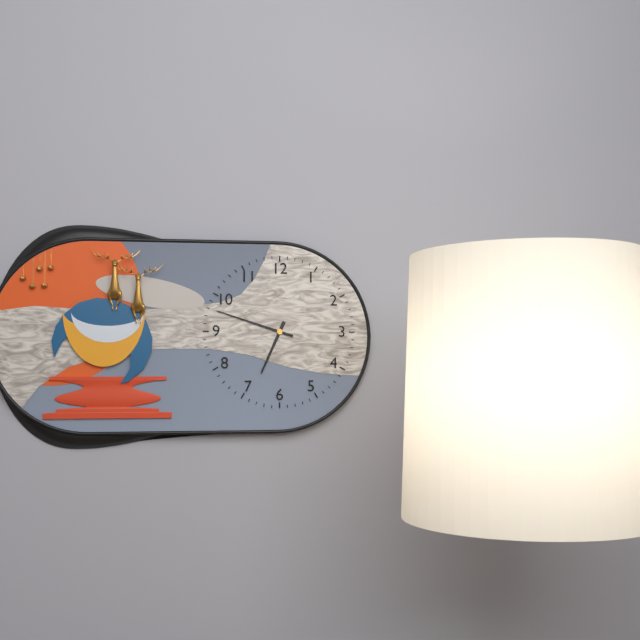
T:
**6:48**
